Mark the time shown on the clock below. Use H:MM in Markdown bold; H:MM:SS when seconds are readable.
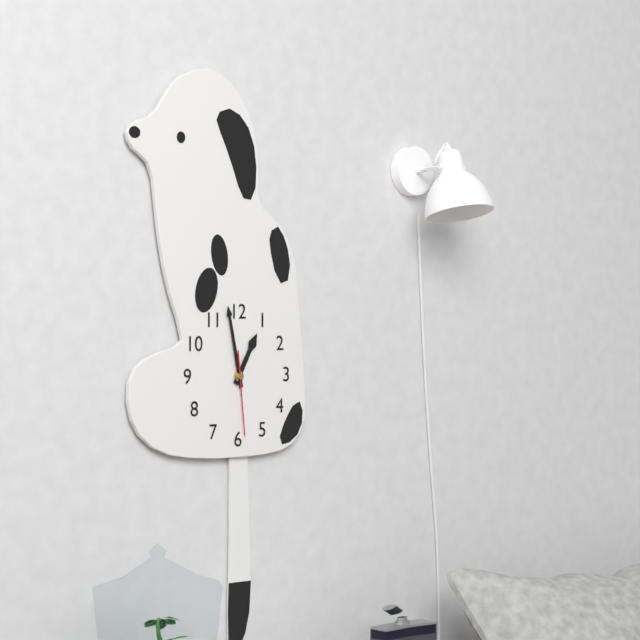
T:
**12:58:29**
